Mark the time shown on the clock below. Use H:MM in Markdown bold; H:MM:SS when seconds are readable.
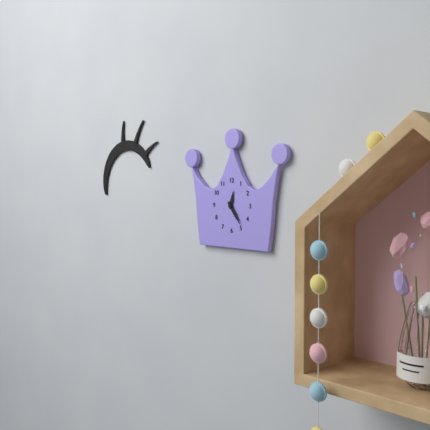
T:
**12:24**
